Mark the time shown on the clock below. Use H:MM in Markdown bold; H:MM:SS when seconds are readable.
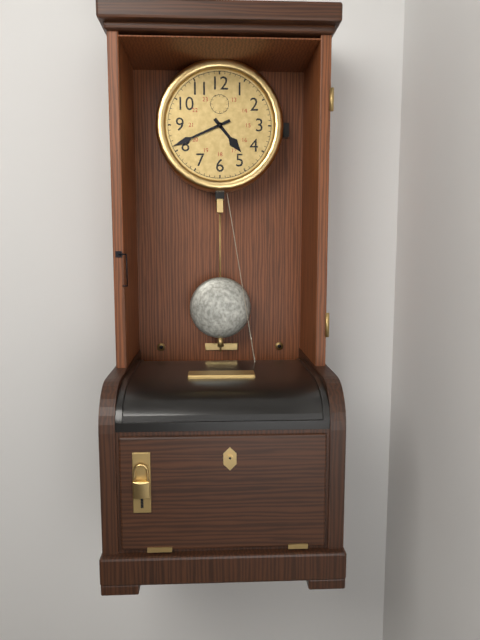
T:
**4:41**
